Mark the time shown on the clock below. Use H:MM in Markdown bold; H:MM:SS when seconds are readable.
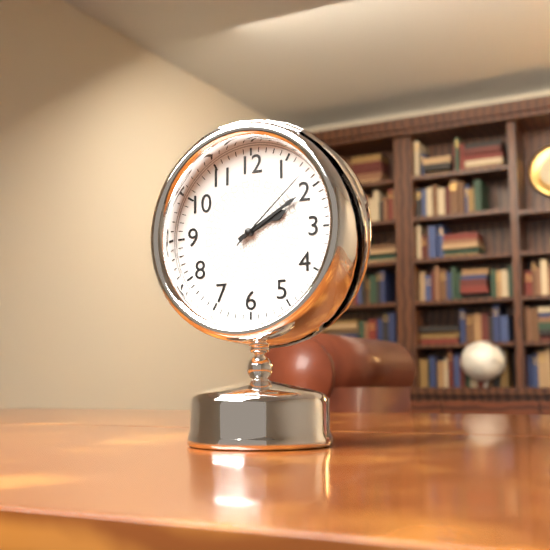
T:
**2:10:08**
